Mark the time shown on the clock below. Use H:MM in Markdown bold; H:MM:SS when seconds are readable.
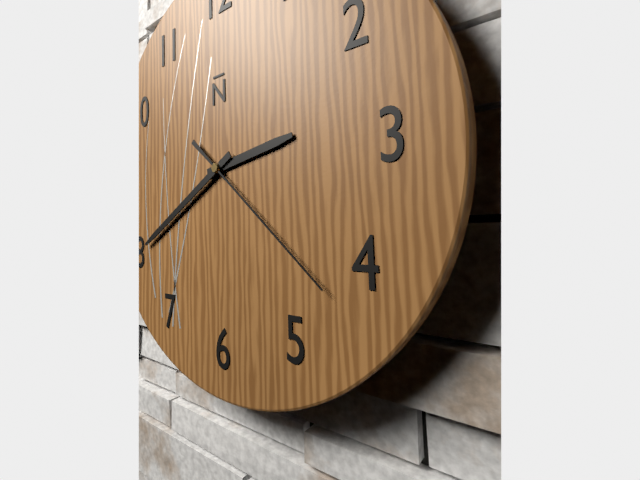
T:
**2:40:22**
